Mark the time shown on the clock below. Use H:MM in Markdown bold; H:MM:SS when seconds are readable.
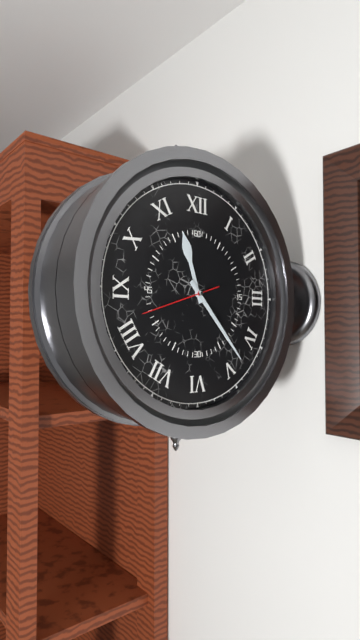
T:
**11:23:42**
